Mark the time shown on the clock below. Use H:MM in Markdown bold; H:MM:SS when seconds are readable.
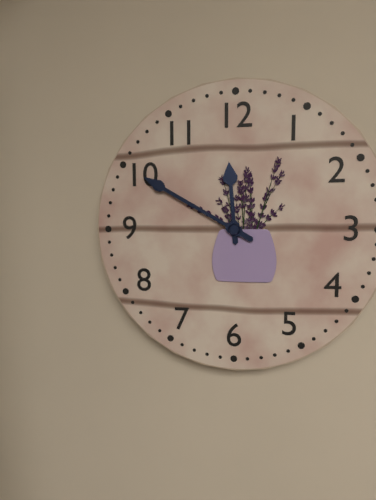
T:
**11:50**
